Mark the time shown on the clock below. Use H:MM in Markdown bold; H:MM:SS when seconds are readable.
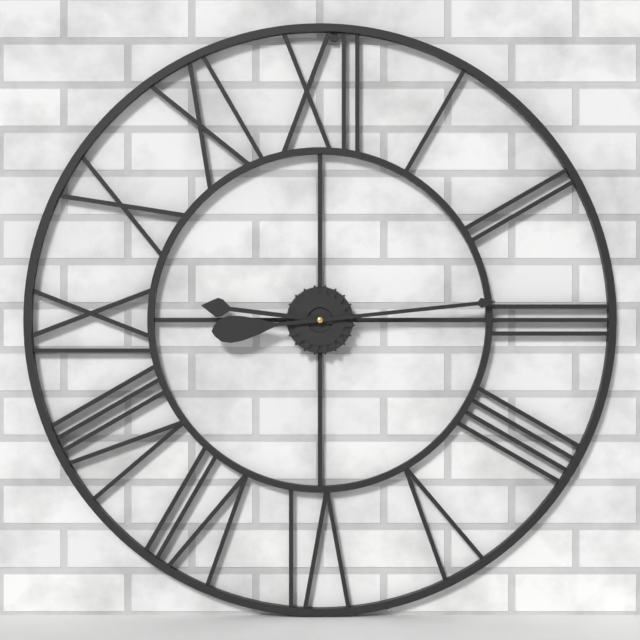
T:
**9:14**
